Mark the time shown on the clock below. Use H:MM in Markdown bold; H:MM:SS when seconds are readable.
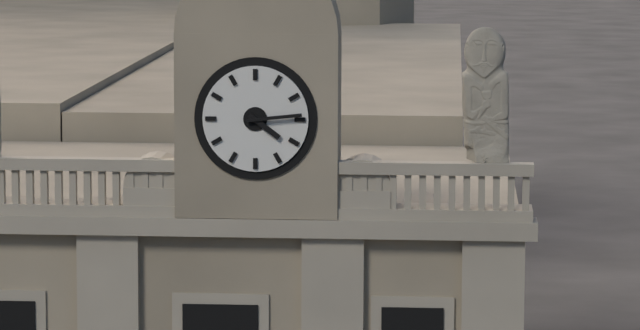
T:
**4:14**
